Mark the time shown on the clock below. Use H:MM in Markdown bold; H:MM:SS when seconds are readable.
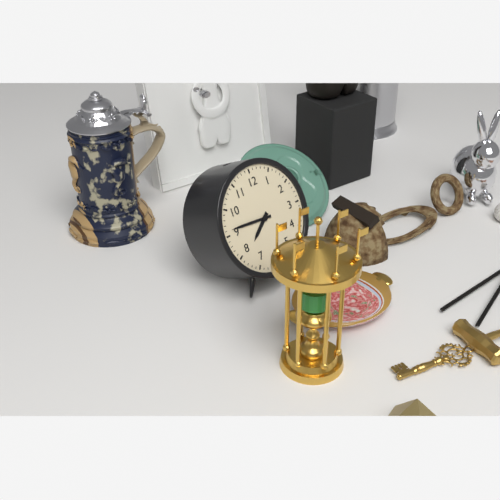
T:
**7:46**
